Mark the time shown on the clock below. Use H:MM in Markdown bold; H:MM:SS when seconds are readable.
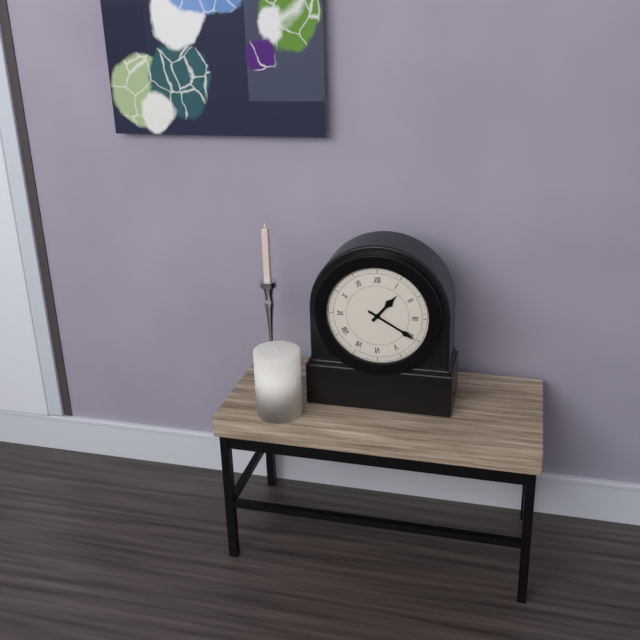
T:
**1:20**
